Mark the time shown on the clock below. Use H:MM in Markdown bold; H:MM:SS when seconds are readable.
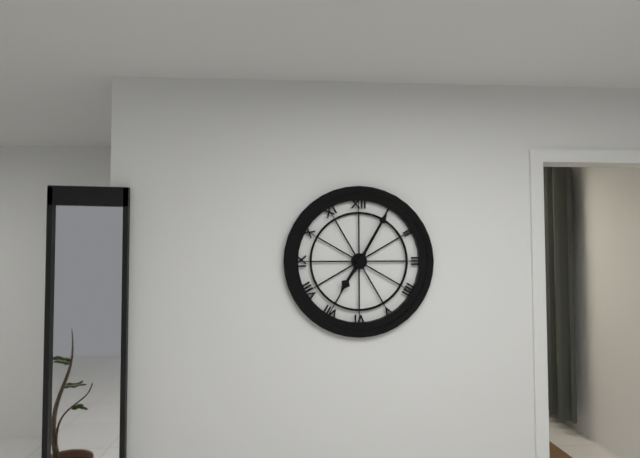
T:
**7:05**
